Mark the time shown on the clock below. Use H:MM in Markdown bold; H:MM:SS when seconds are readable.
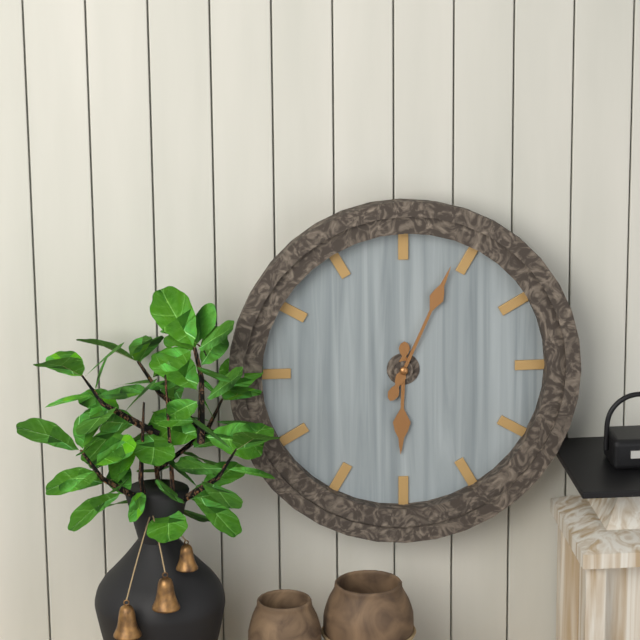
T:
**6:04**
